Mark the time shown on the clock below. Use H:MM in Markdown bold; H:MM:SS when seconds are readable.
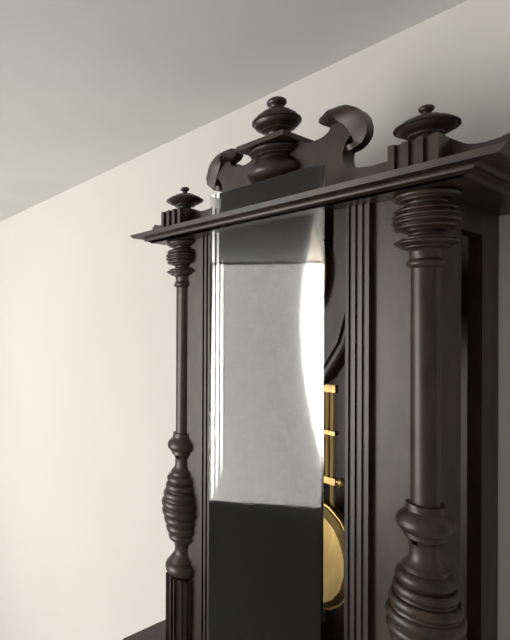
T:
**5:39**
